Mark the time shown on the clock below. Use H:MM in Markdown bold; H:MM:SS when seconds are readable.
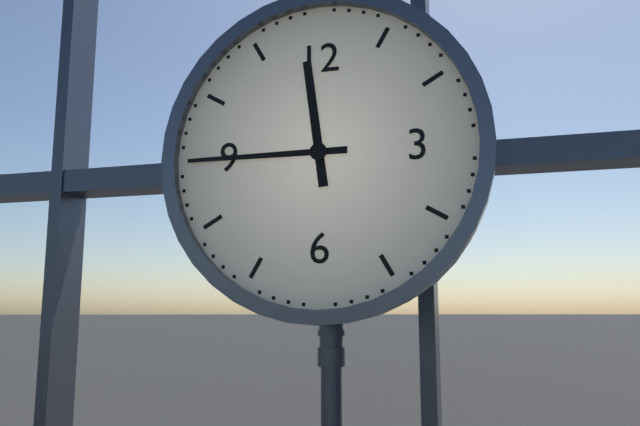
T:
**11:45**
